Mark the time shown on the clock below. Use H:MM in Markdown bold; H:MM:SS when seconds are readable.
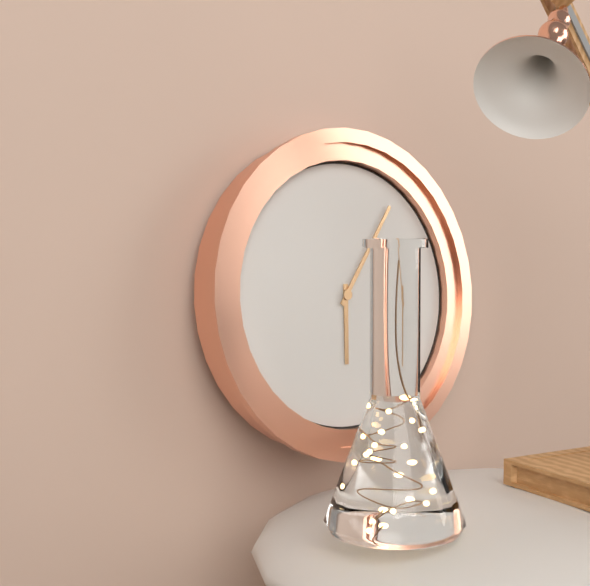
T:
**6:06**
